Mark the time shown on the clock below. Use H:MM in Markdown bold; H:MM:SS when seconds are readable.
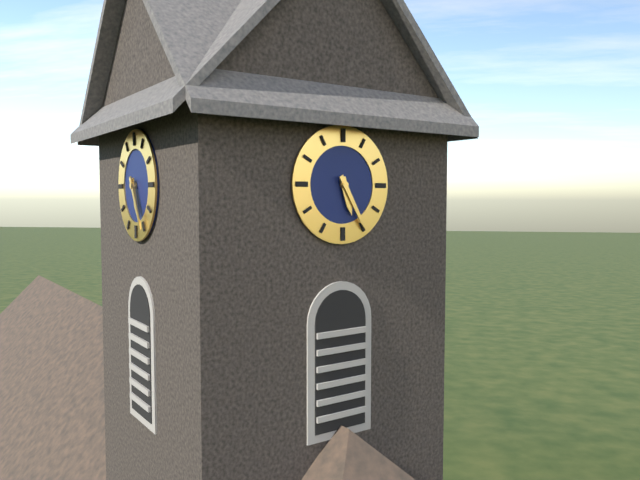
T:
**5:25**
